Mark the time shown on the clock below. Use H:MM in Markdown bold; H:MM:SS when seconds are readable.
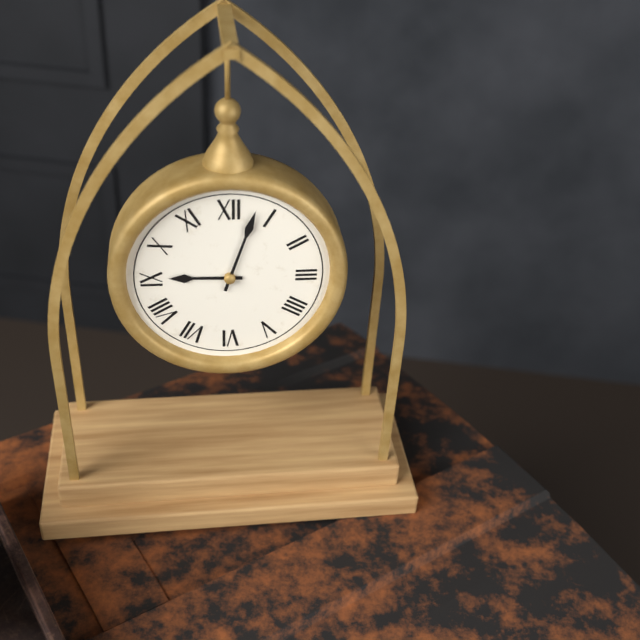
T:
**9:03**
